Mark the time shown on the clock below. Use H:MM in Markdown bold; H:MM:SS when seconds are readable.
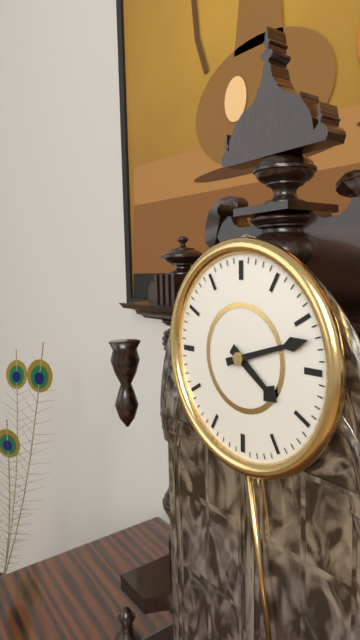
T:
**4:12**
